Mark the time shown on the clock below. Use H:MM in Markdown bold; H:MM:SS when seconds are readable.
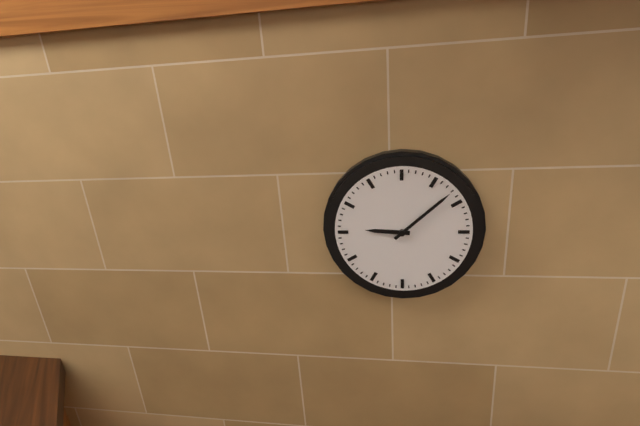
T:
**9:08**
